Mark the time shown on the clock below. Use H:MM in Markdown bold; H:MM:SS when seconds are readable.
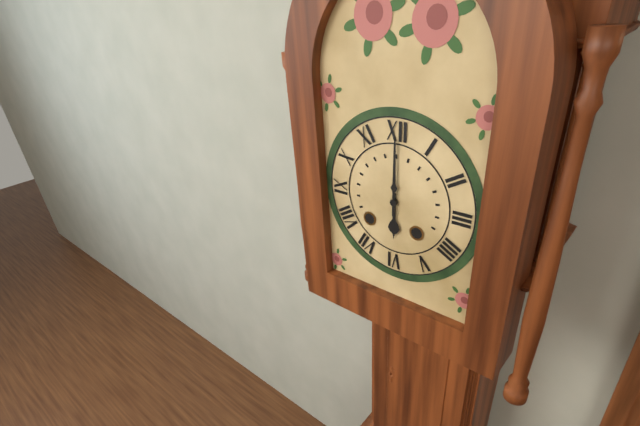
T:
**6:00**
